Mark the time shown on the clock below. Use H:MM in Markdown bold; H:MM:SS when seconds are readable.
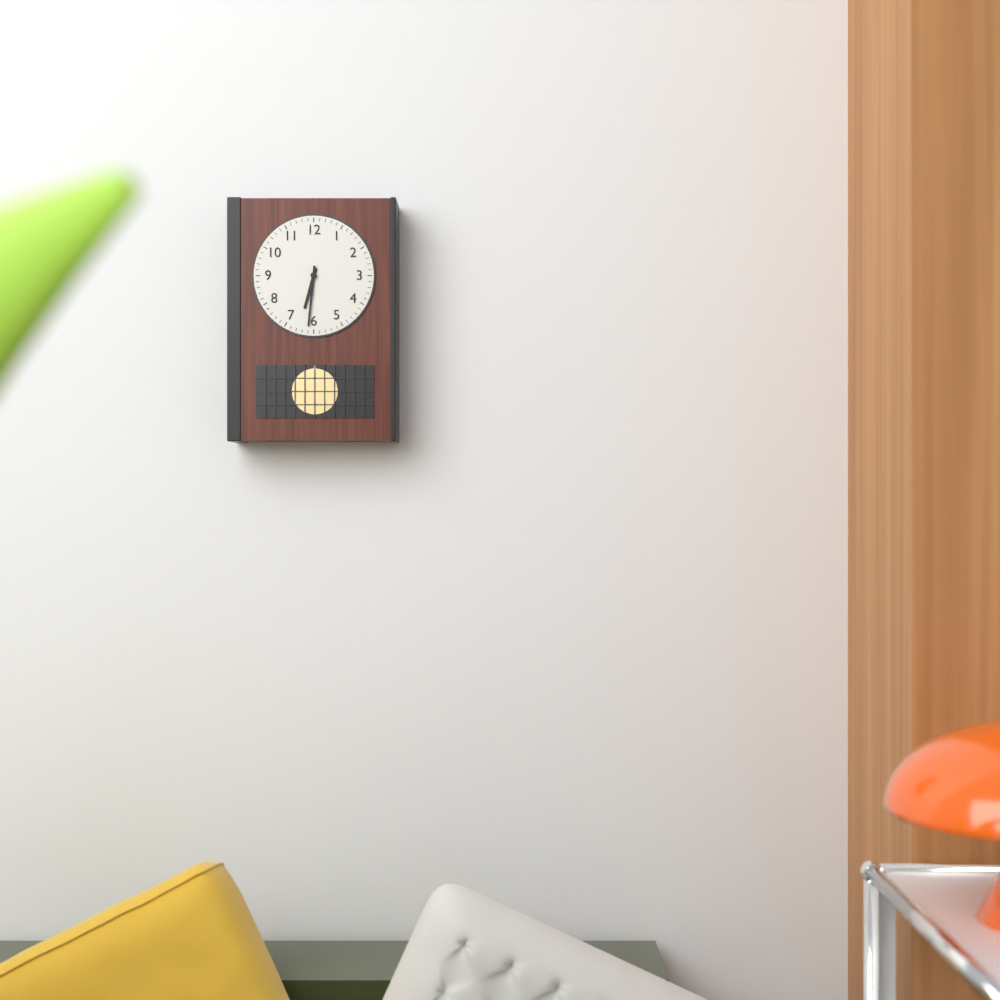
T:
**6:31**
